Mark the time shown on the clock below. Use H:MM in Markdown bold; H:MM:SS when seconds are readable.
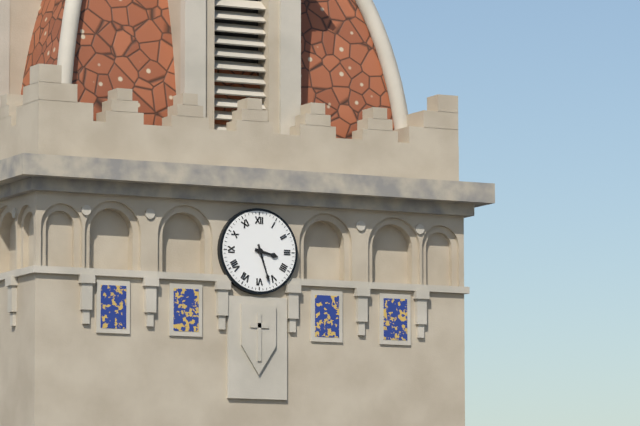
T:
**3:27**
